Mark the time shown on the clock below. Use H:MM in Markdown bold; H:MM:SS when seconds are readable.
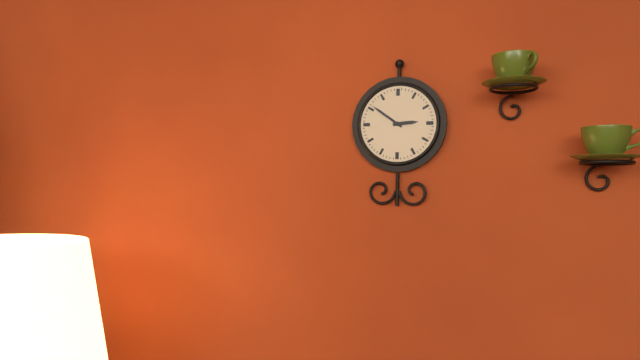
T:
**2:51**
